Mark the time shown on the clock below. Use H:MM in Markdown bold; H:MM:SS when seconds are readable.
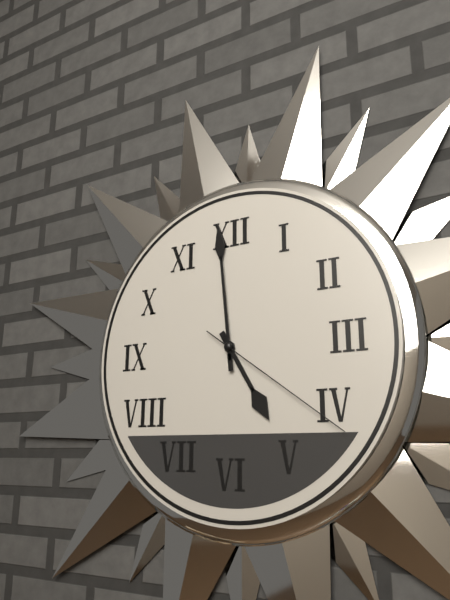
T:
**4:59:21**
